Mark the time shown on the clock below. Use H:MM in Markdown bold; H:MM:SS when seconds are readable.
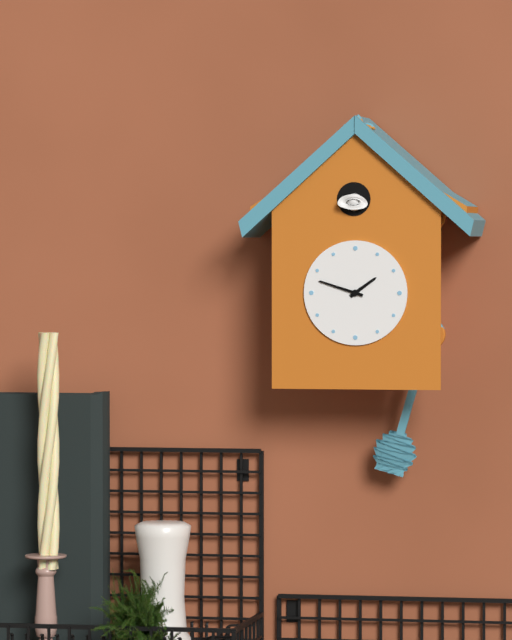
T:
**1:48**
